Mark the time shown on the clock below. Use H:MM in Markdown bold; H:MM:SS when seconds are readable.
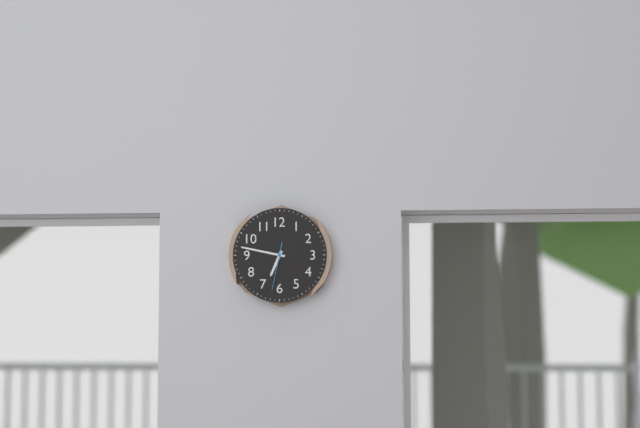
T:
**6:47**
